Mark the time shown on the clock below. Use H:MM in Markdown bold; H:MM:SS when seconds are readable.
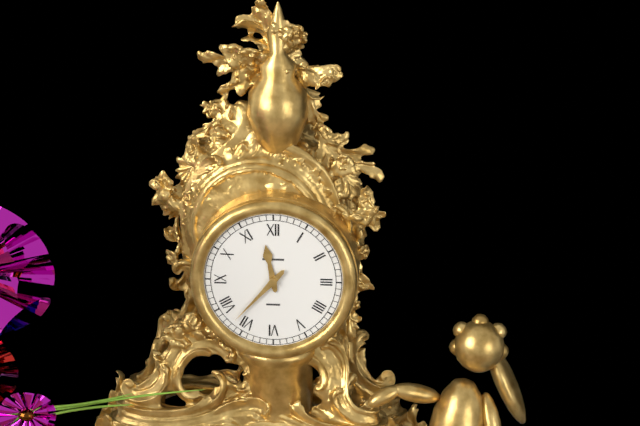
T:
**11:37**
